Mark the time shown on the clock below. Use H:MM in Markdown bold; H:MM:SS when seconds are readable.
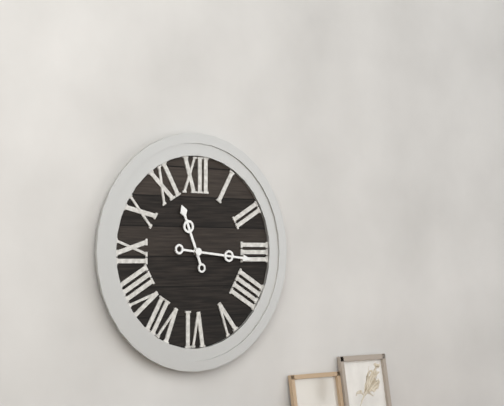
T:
**11:16**
